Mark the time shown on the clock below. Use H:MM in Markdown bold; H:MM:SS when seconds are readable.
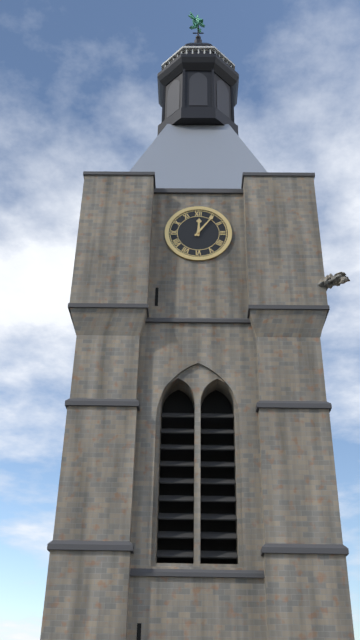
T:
**12:06**
